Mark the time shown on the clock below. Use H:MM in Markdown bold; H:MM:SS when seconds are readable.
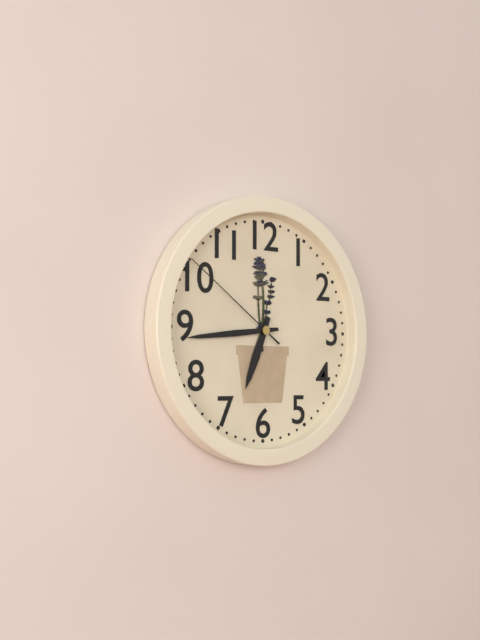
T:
**6:44:51**
